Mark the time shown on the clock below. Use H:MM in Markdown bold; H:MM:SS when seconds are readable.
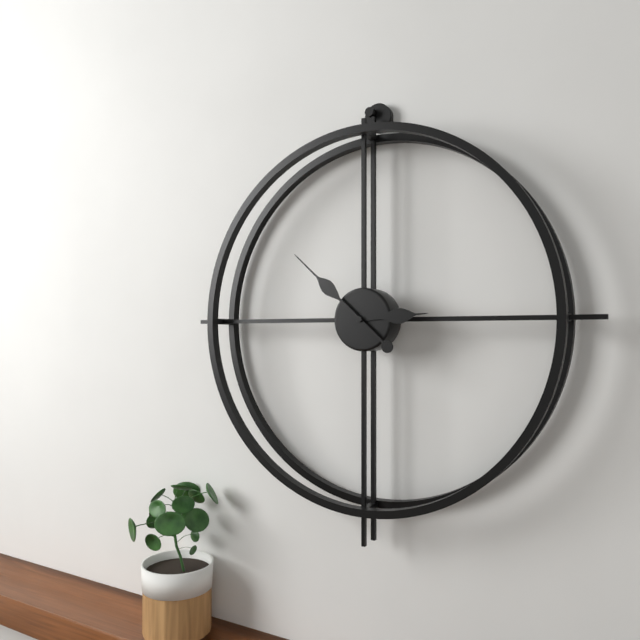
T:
**2:52**
